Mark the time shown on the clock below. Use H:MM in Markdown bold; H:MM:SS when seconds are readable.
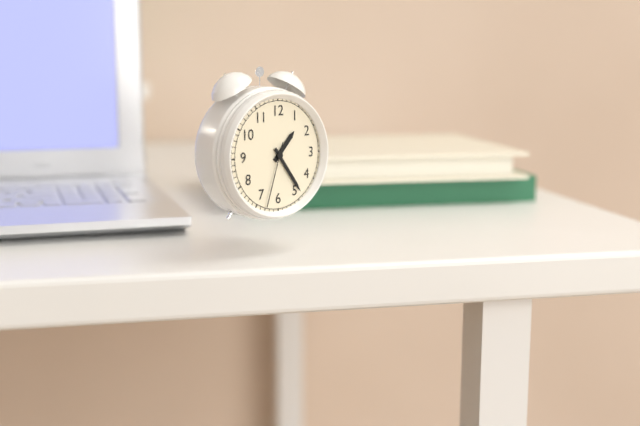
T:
**1:24:33**
